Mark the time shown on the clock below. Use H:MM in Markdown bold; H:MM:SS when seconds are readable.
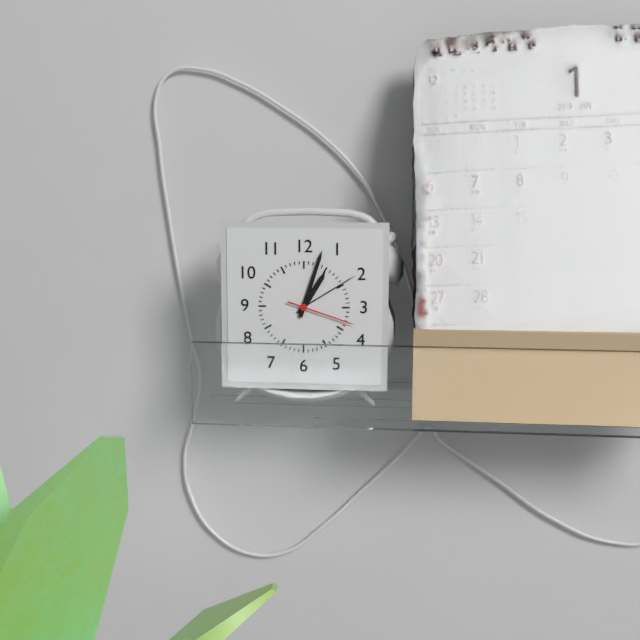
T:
**1:03:18**
